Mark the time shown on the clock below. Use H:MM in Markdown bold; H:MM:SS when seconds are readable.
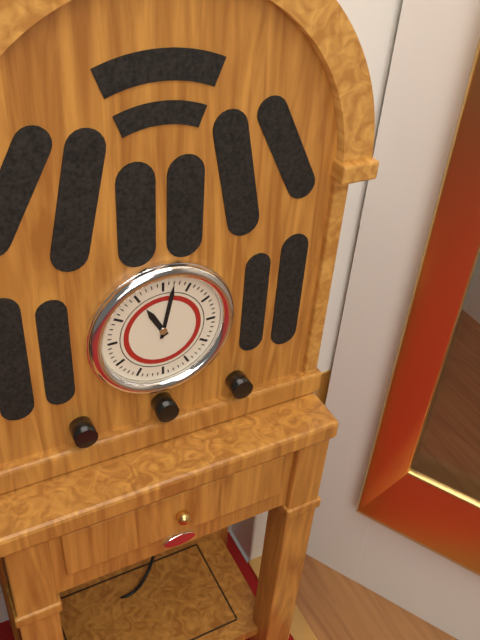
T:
**11:02**
